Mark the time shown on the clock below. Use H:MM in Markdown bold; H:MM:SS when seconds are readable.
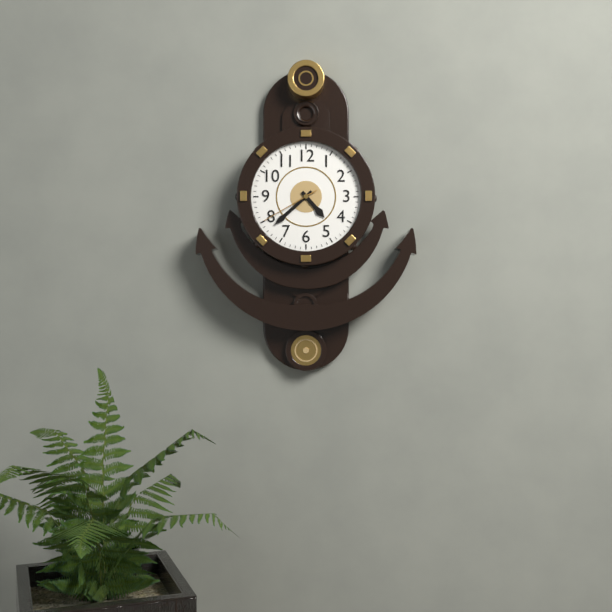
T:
**4:38:40**
